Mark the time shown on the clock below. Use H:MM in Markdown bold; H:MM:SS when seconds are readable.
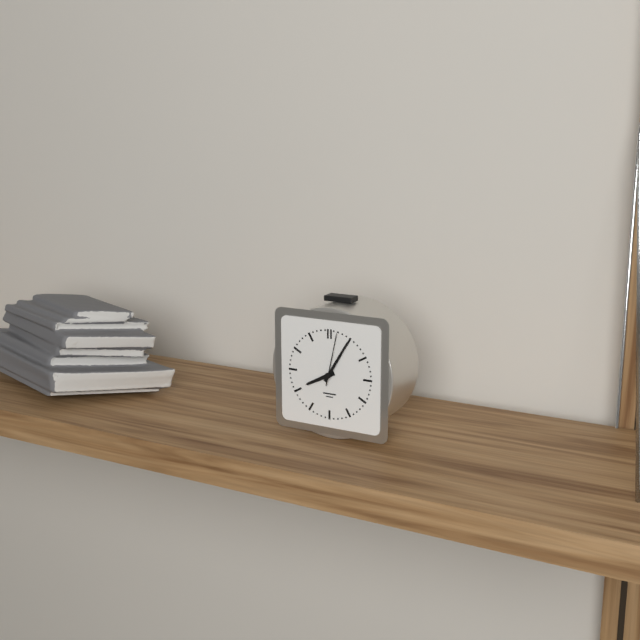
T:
**8:05:02**
